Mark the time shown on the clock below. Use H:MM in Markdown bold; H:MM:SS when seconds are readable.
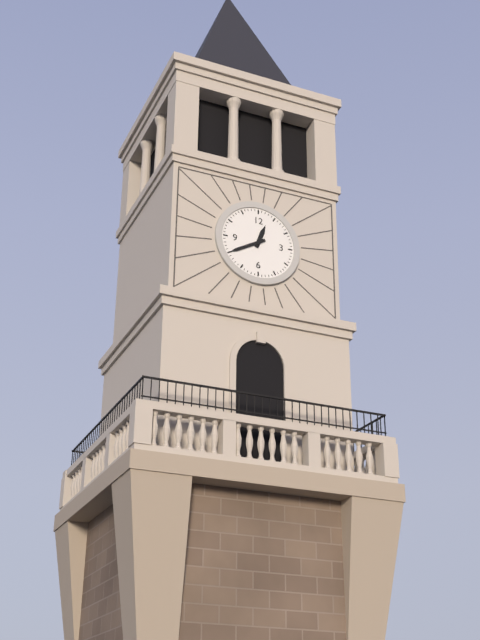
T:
**12:40**
